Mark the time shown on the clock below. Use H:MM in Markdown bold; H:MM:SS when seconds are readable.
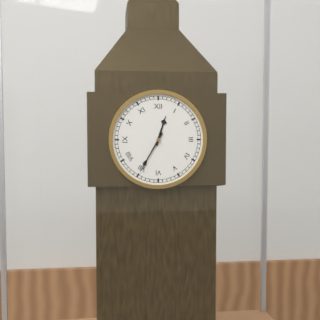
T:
**12:35**
